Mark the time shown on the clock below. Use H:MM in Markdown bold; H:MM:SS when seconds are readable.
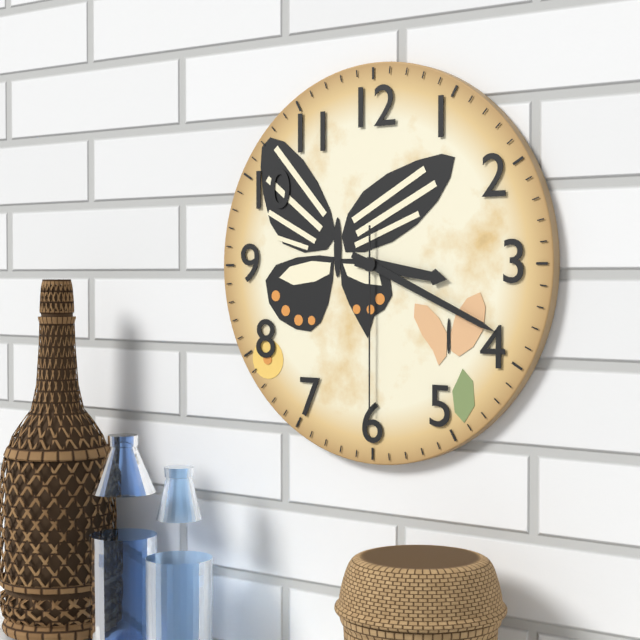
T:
**3:19:30**
